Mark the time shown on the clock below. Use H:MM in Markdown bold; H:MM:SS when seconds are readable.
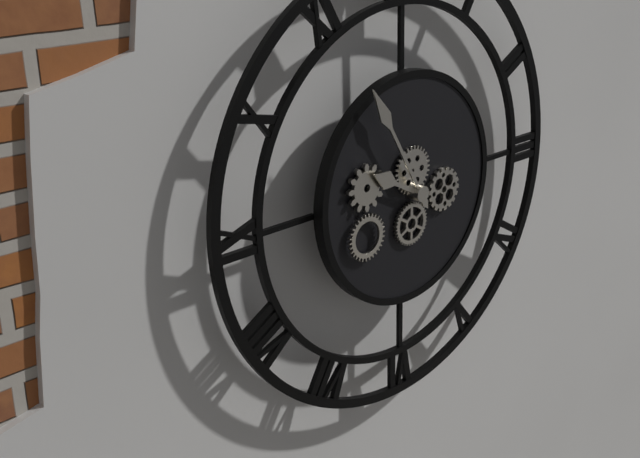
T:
**9:55**
